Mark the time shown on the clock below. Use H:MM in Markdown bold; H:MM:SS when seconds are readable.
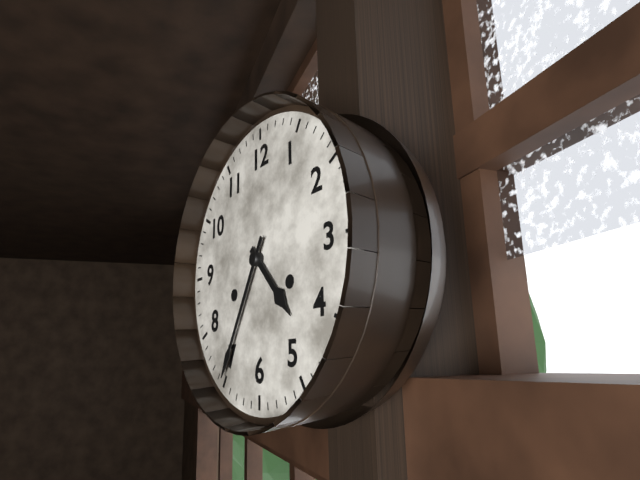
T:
**4:35**
